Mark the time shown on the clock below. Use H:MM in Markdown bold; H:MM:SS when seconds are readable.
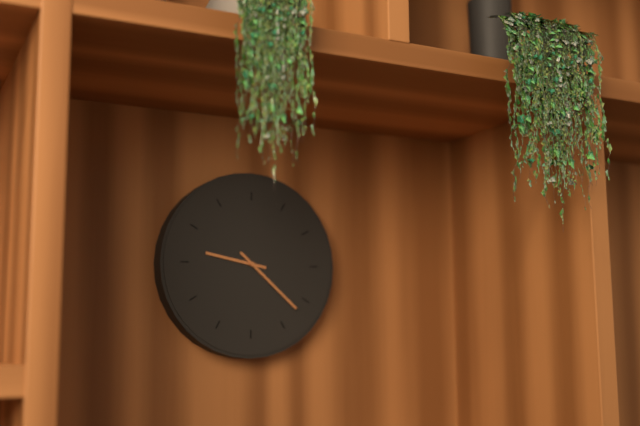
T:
**9:22**
